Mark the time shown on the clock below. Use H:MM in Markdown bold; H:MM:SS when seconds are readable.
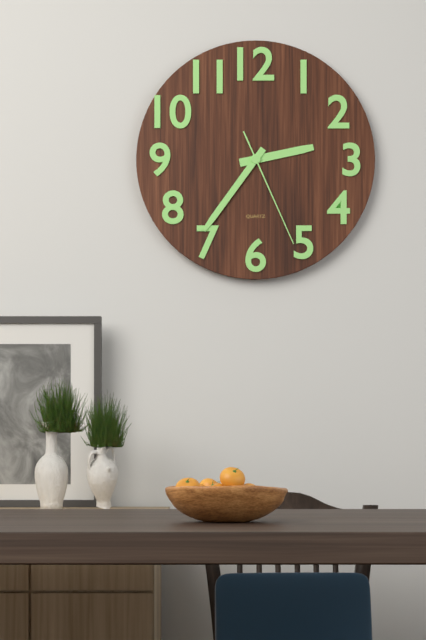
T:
**2:36:26**
